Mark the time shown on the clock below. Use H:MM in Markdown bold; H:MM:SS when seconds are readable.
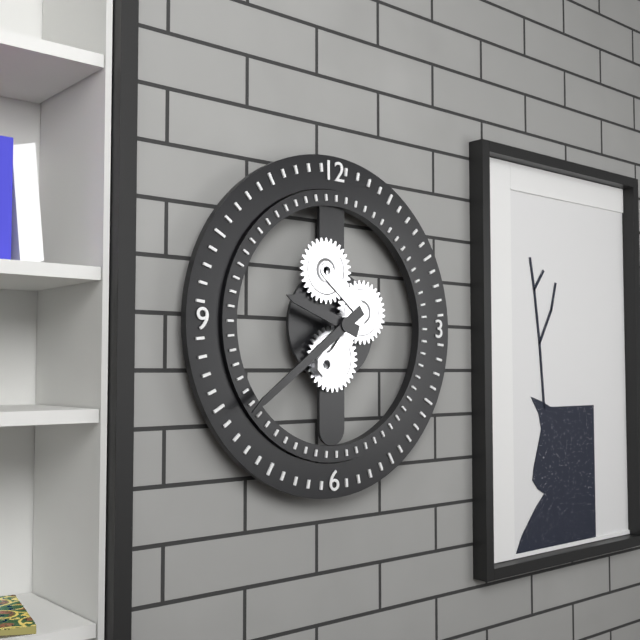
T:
**9:39**
